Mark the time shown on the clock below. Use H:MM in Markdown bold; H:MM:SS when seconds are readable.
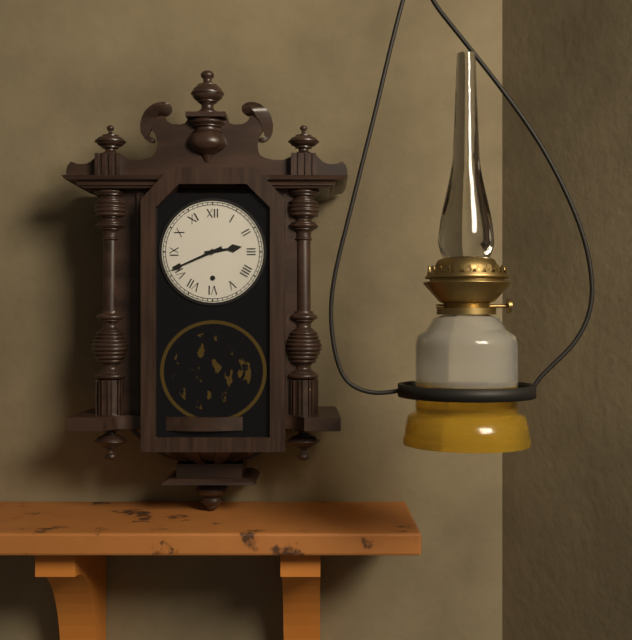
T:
**2:41**
